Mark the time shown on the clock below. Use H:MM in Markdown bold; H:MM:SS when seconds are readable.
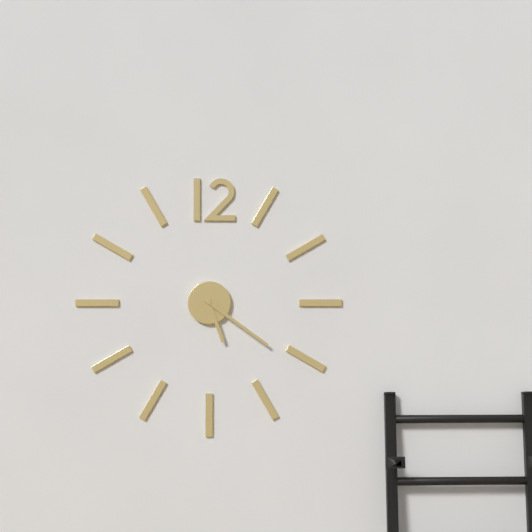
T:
**5:21**
